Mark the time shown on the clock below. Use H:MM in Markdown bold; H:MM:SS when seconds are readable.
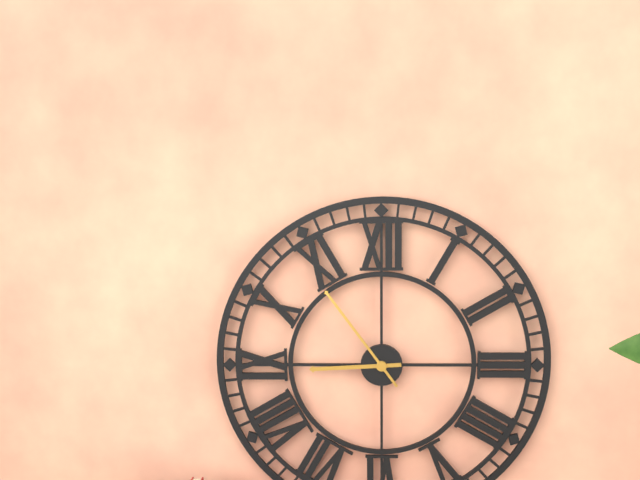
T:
**8:54**
